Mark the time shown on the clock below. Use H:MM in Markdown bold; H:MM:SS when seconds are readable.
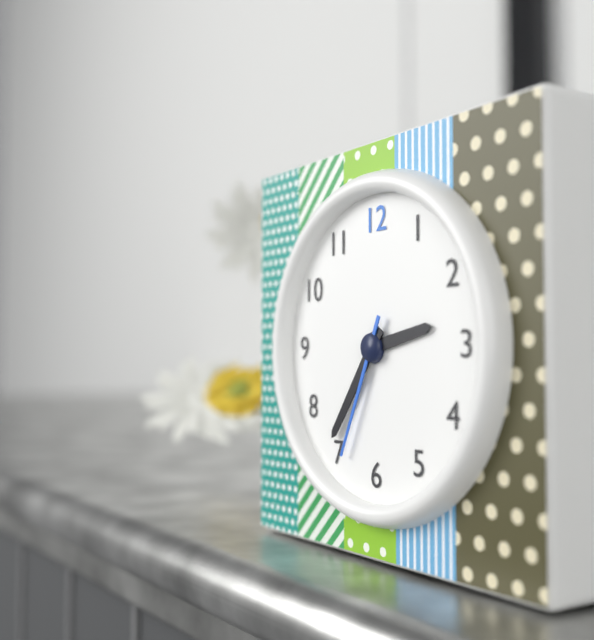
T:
**2:36:34**
